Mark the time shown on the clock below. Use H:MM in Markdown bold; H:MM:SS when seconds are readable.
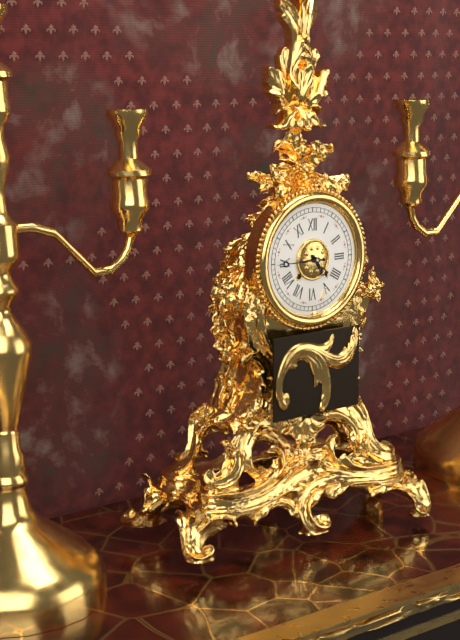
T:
**4:45**
